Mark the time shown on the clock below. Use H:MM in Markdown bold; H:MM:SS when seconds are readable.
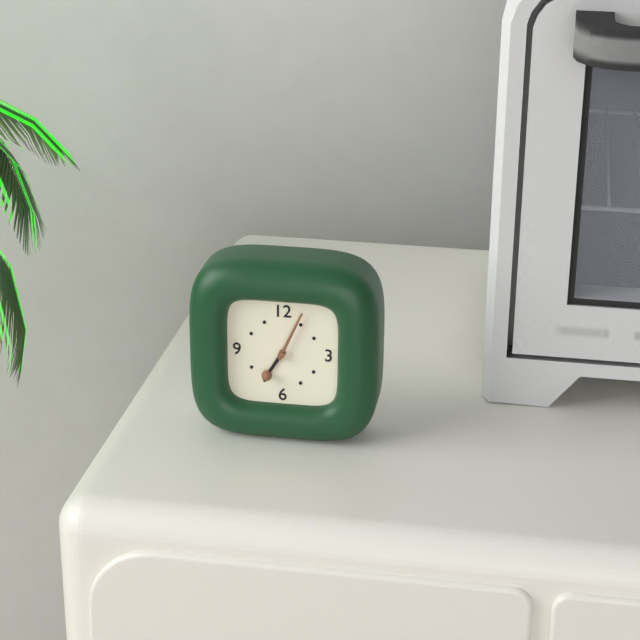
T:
**7:04**
